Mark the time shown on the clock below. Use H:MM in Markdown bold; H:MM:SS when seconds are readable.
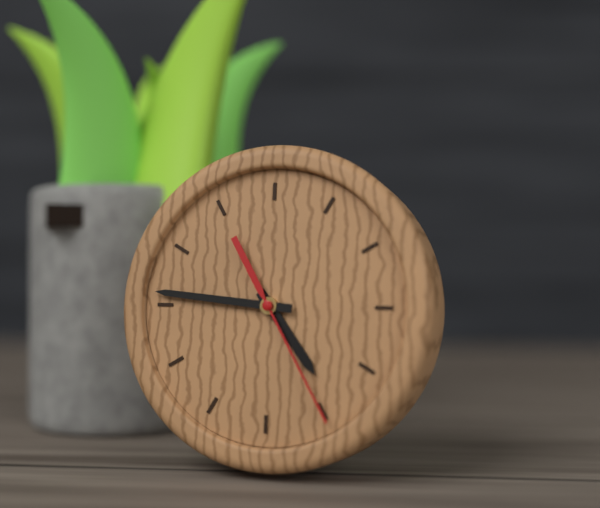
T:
**4:46:25**
